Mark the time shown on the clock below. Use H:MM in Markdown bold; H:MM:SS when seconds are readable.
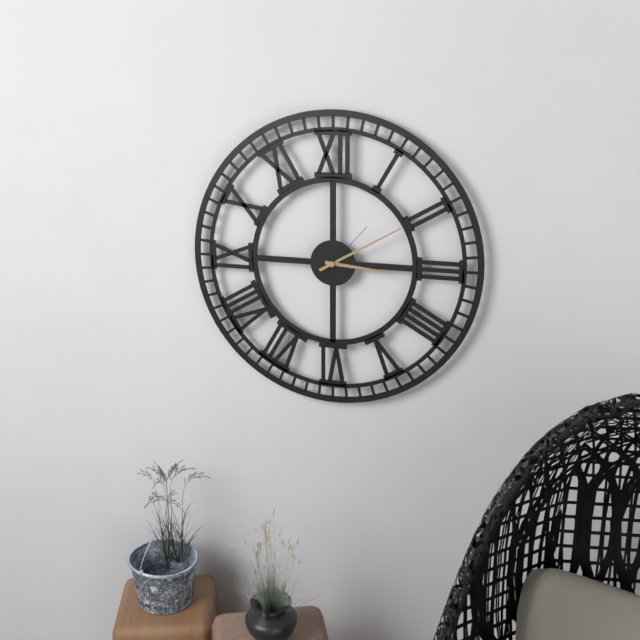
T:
**3:10:07**
